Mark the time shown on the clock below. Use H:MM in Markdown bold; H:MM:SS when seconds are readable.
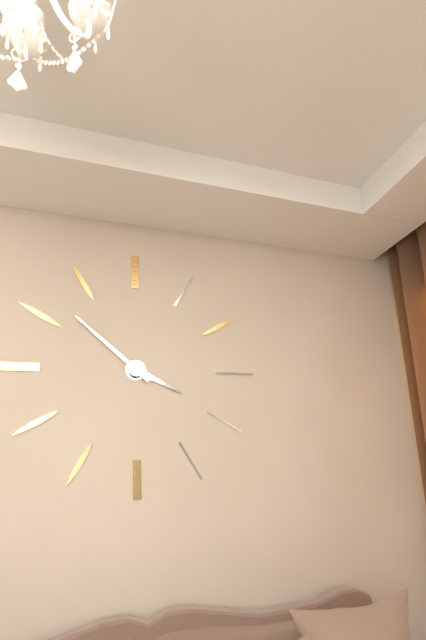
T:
**3:52**
